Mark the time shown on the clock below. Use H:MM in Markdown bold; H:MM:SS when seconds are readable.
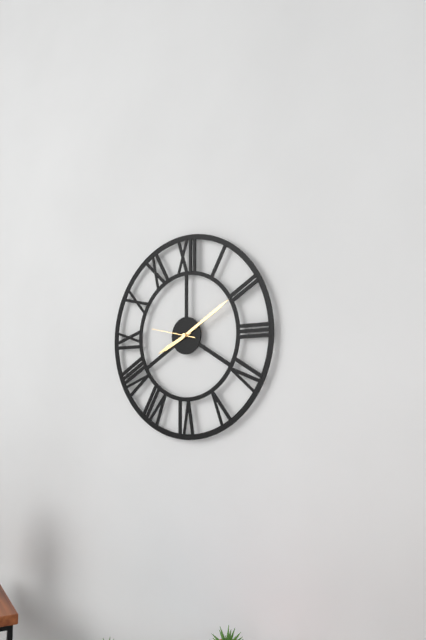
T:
**8:10**
